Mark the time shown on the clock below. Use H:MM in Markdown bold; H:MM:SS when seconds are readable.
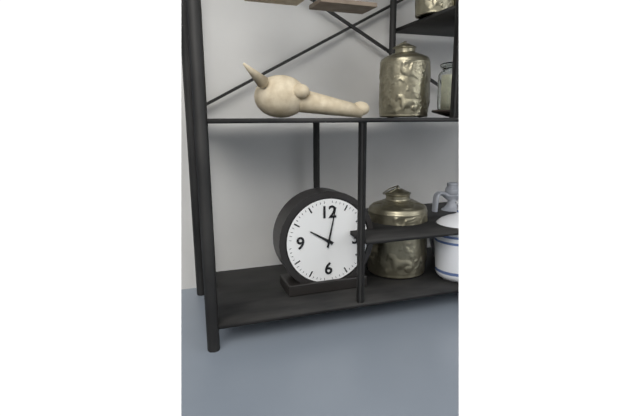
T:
**10:02**
